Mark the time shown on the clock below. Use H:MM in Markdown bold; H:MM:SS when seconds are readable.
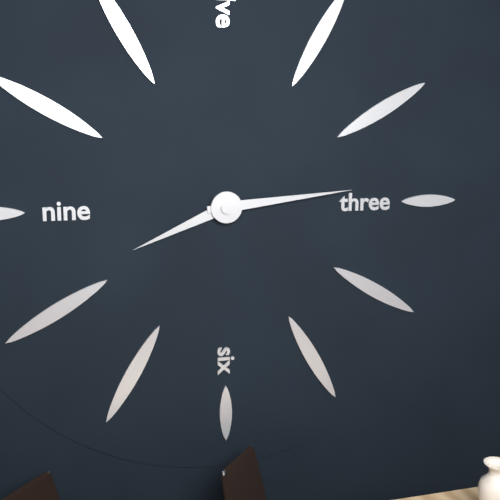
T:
**8:14**
